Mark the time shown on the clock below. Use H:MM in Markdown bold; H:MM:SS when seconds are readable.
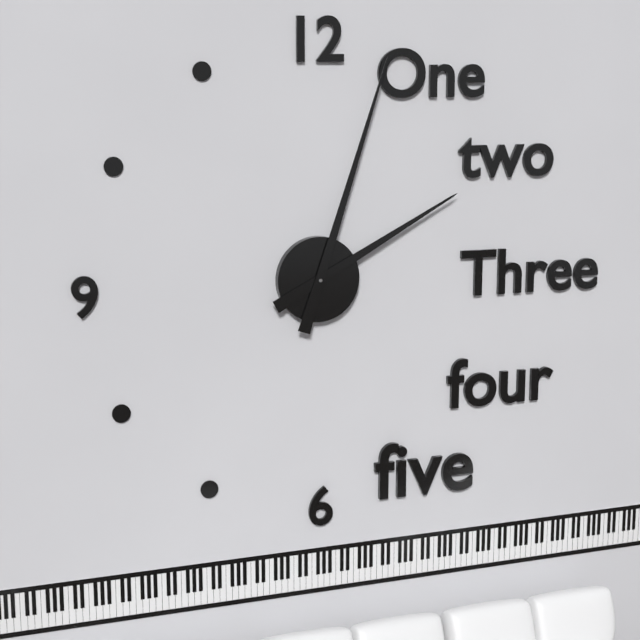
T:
**2:03**
